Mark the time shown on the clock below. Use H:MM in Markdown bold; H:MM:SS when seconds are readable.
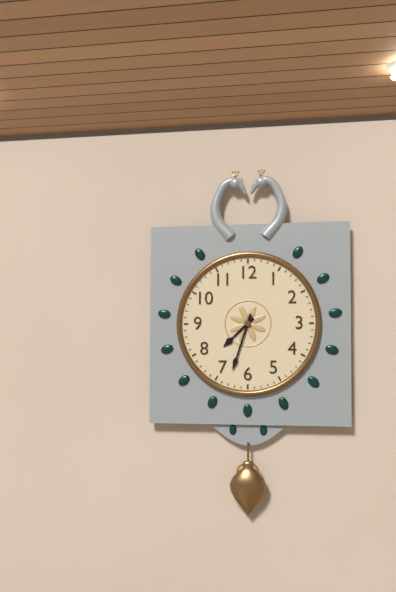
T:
**7:33**
